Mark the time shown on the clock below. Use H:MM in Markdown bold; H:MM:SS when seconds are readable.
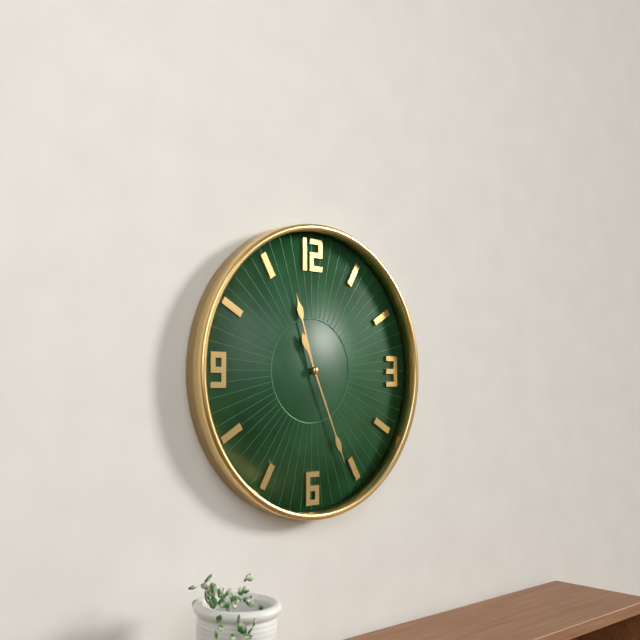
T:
**11:26**
